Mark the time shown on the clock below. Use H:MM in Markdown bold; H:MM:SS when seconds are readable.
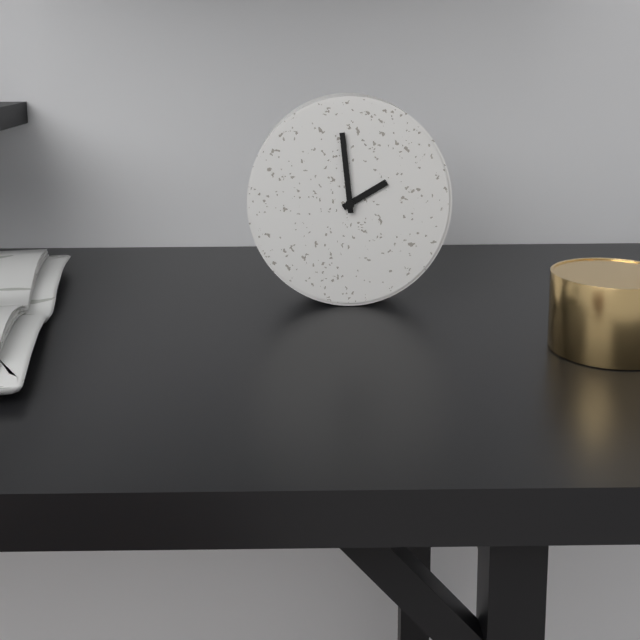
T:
**1:59**
